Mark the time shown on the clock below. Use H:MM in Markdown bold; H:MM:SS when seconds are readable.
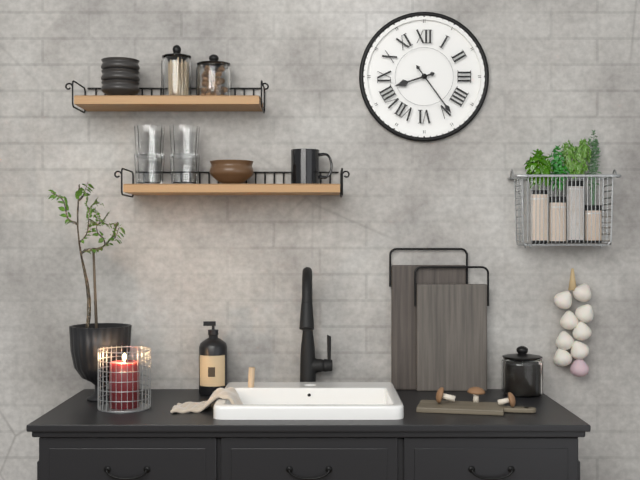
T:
**8:24**
